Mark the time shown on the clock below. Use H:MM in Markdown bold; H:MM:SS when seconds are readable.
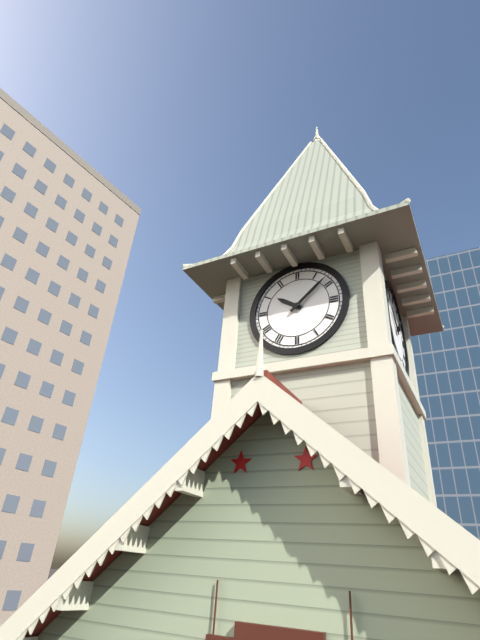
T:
**10:08**
